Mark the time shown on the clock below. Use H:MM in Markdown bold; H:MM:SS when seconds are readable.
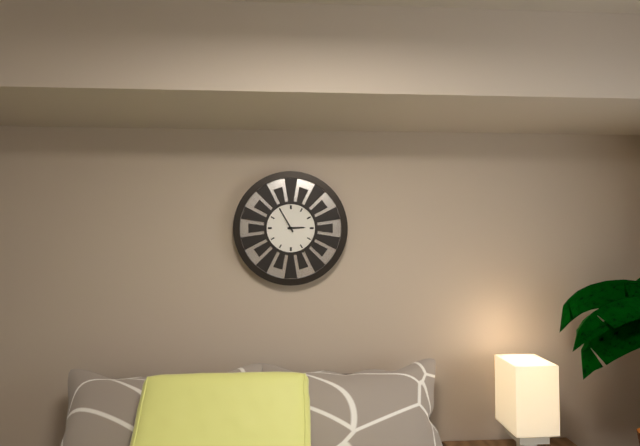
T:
**2:55**
